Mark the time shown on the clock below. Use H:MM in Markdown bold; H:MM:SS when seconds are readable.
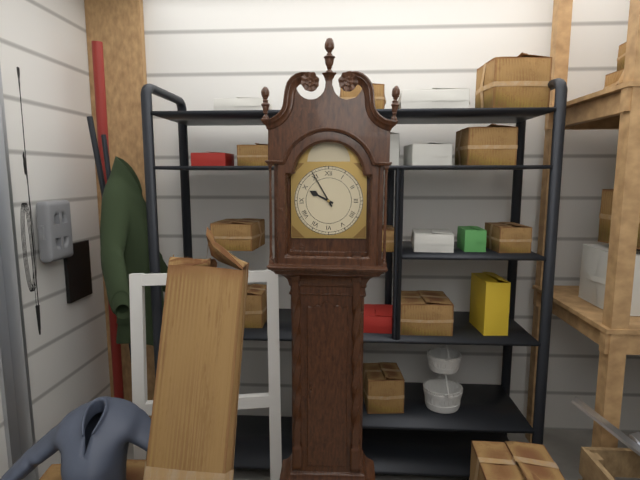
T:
**9:55**
